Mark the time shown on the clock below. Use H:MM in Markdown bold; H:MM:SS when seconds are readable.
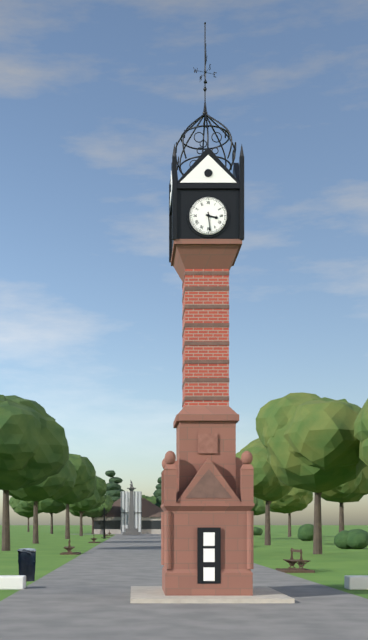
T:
**3:29**
